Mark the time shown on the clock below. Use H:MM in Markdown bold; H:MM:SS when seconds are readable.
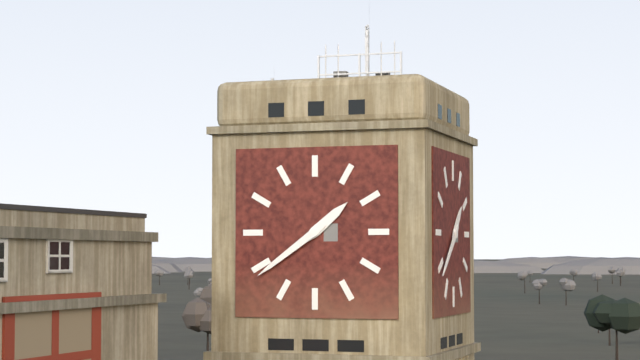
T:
**1:39**
